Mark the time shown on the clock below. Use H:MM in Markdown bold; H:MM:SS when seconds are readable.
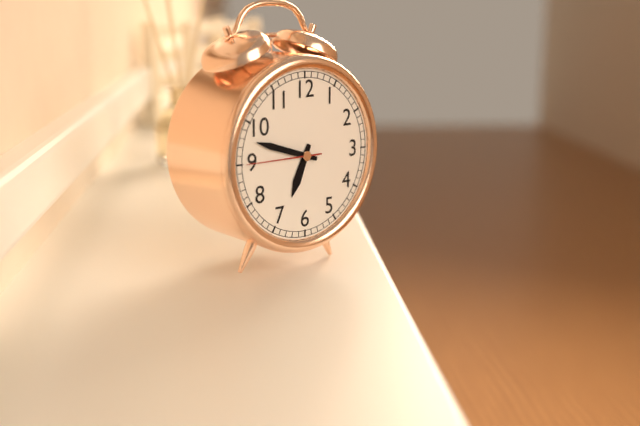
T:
**6:48:45**
